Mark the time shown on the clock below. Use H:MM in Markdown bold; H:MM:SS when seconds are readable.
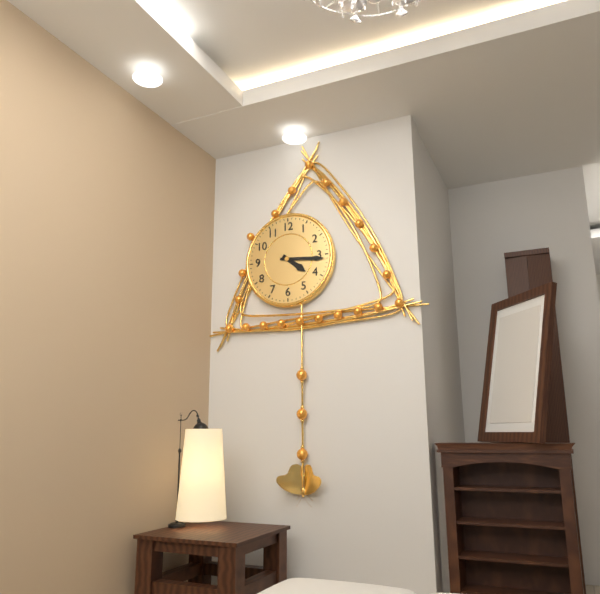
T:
**4:16**
